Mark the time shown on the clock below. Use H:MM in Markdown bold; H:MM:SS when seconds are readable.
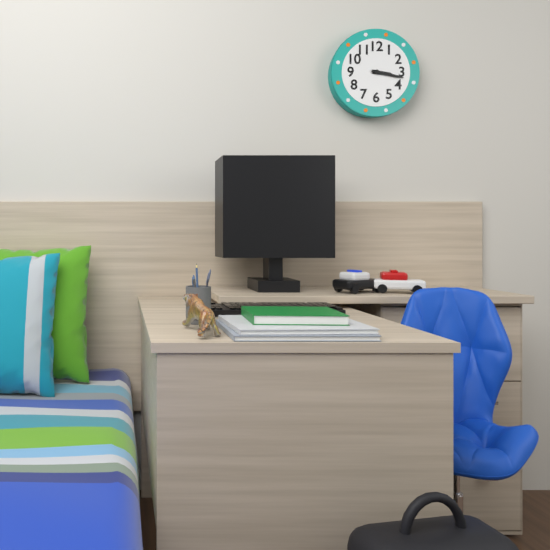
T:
**3:17**
